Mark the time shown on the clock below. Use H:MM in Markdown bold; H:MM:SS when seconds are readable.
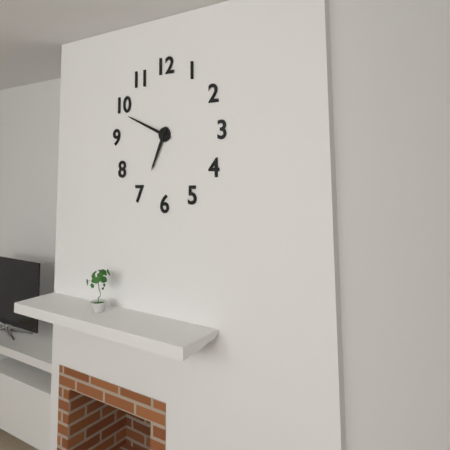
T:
**6:49**
